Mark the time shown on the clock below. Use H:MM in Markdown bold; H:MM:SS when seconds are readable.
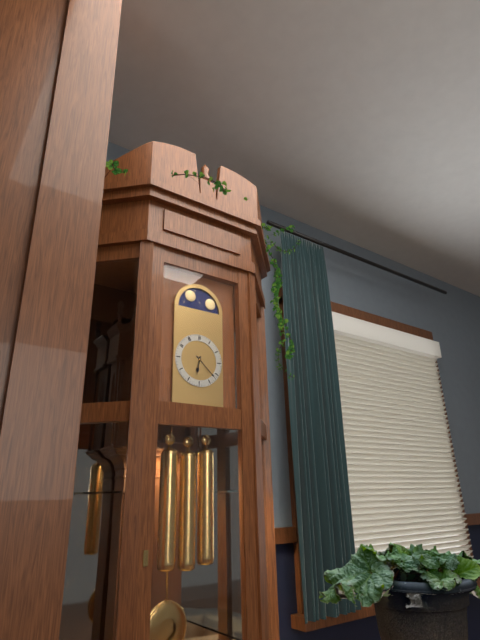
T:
**6:22**
